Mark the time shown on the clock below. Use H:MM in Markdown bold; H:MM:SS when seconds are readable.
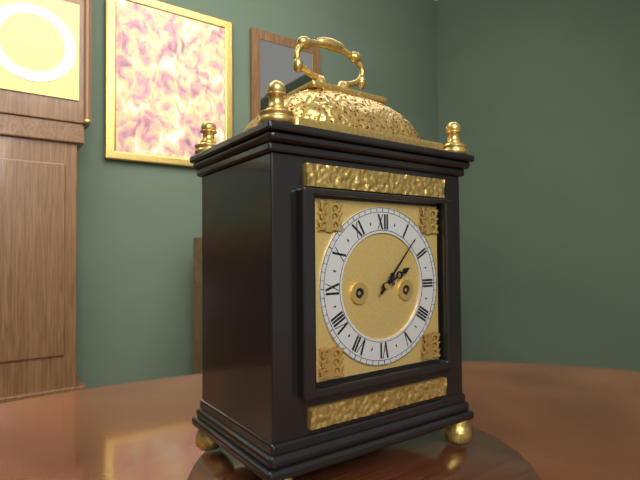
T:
**2:07**
